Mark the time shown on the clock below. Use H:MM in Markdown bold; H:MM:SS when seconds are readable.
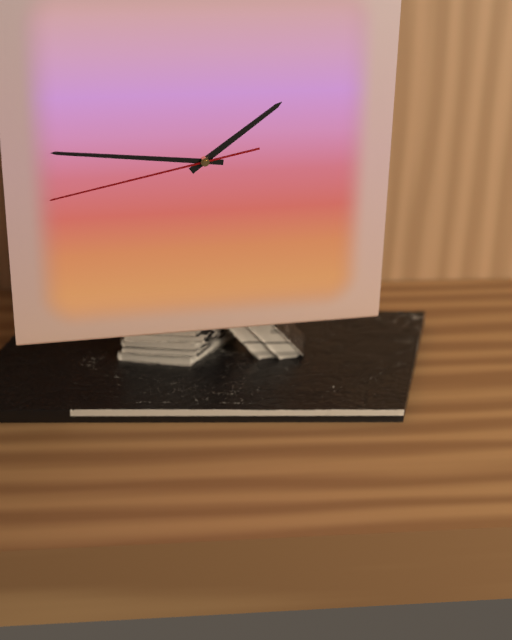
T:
**1:46:43**
